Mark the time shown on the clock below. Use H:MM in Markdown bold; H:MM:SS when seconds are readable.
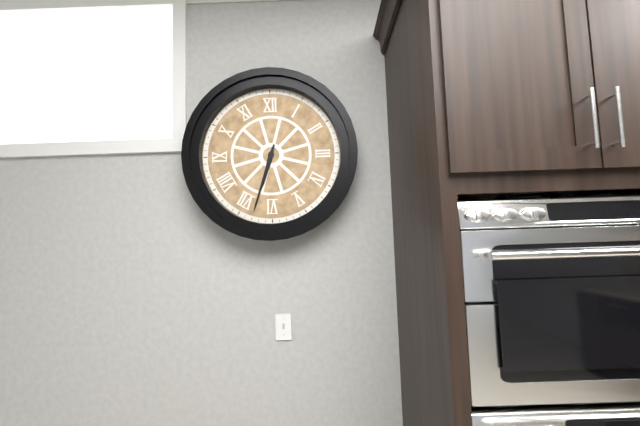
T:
**6:33**
